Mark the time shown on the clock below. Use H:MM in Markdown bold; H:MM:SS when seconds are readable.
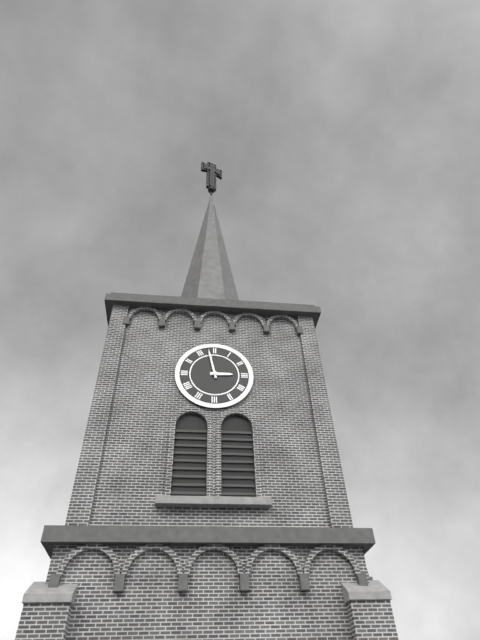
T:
**2:58**
